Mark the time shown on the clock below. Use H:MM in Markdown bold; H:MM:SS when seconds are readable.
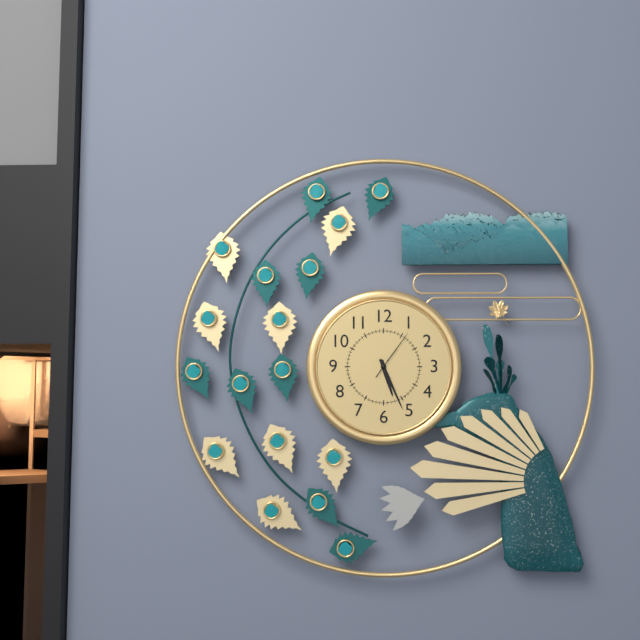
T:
**5:26:06**
